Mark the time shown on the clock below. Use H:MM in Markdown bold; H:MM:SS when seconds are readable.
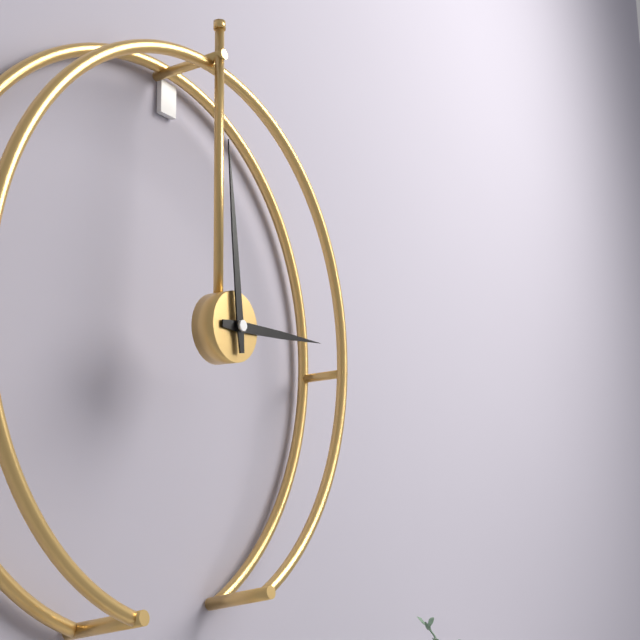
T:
**2:59**
